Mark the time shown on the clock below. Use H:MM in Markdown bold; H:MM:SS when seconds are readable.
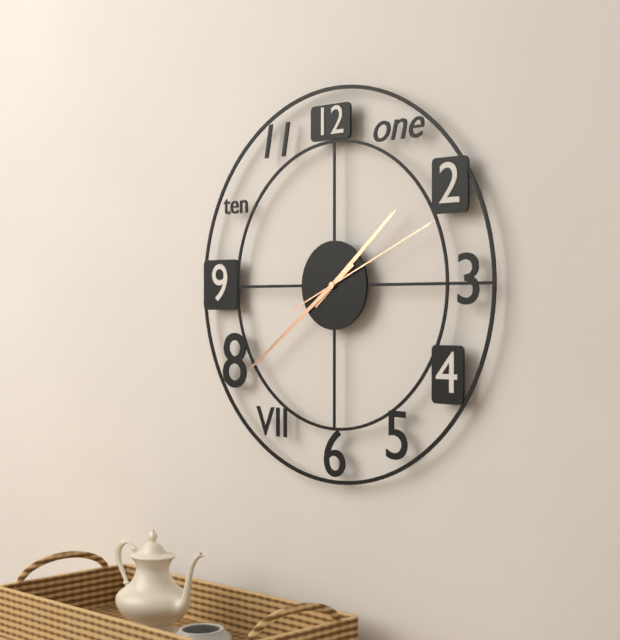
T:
**1:39:11**
